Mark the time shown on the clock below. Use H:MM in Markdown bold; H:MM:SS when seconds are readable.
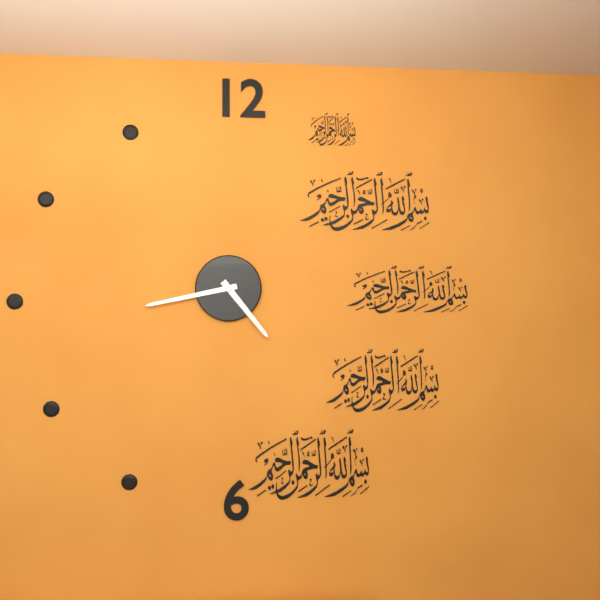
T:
**4:43**
